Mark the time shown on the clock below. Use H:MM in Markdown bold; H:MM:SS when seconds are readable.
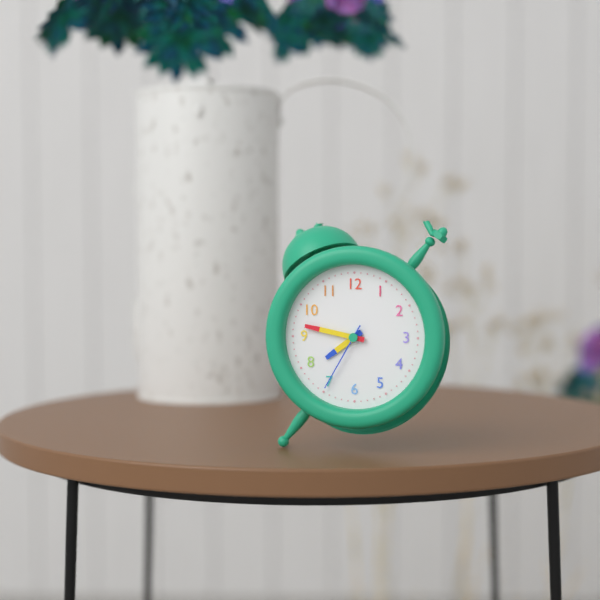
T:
**7:47:35**
